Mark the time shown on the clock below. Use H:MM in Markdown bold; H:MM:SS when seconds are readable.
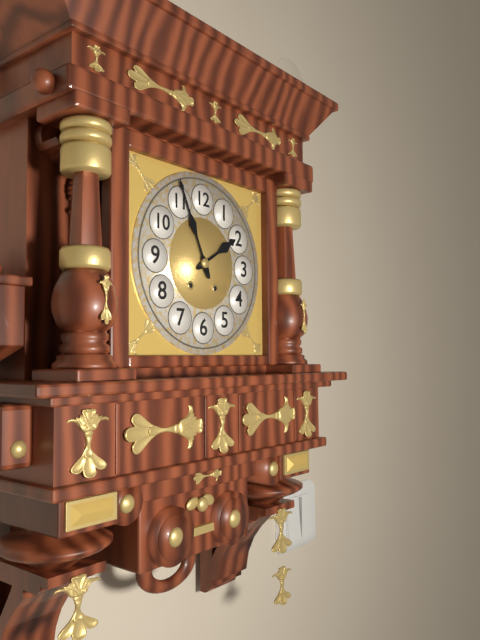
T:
**1:56**
